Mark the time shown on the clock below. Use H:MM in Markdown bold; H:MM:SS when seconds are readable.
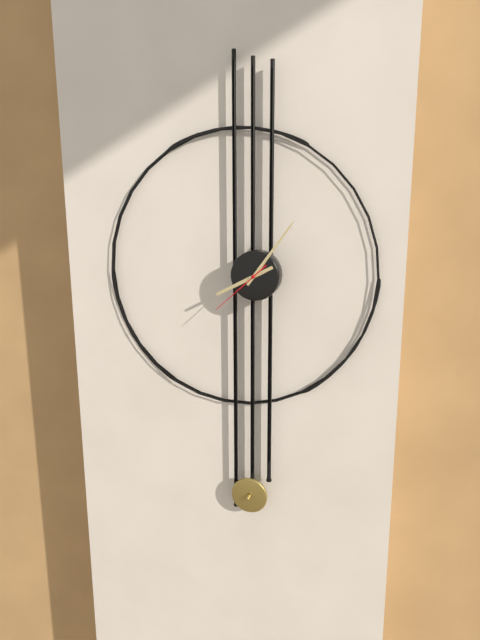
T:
**8:06:38**
